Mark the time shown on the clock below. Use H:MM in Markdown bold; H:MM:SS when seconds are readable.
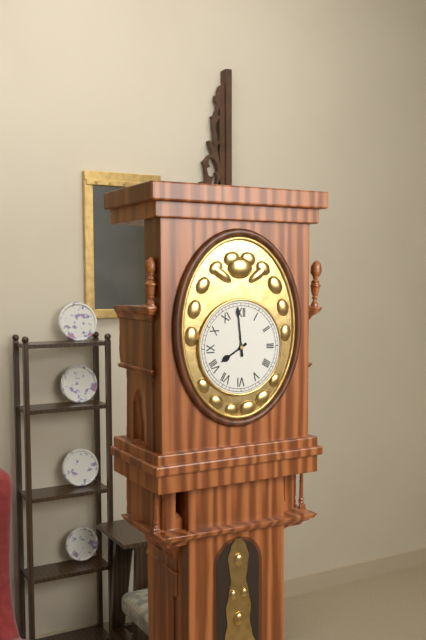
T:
**7:59**
